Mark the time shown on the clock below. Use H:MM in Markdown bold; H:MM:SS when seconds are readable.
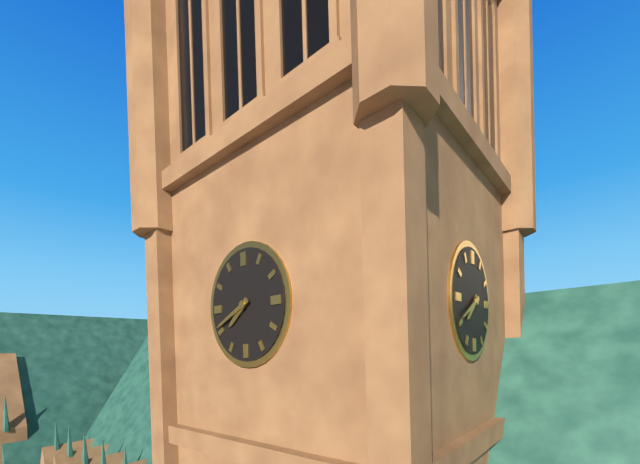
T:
**7:41**
